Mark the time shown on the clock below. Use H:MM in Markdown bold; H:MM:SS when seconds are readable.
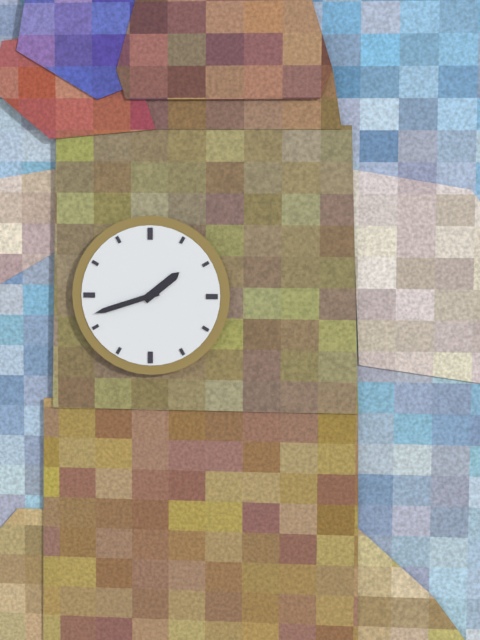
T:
**1:42**
